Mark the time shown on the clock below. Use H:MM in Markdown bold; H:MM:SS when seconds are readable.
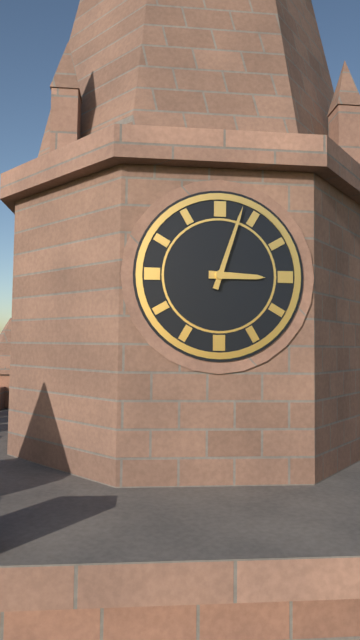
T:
**3:03**
